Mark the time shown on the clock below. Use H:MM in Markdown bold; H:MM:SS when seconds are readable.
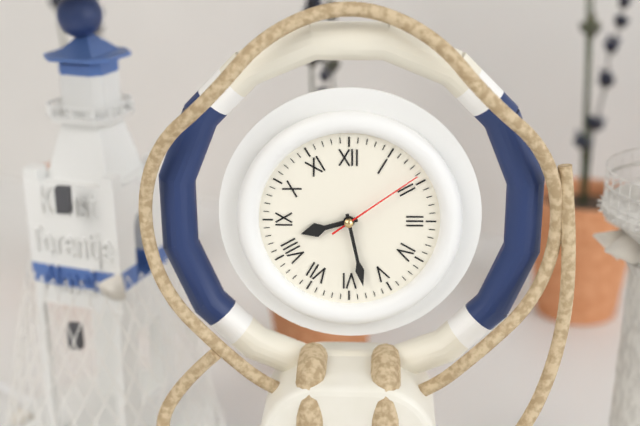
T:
**8:28:09**
